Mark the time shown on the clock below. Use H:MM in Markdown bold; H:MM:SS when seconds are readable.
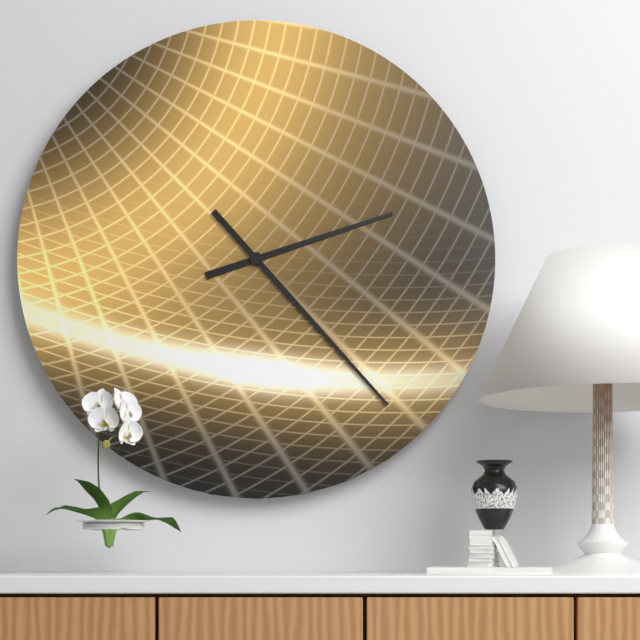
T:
**2:23**
